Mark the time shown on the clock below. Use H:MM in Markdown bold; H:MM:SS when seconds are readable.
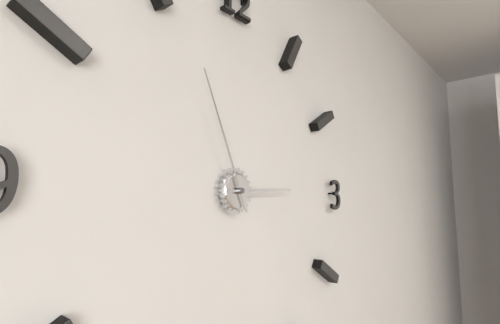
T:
**2:56**
